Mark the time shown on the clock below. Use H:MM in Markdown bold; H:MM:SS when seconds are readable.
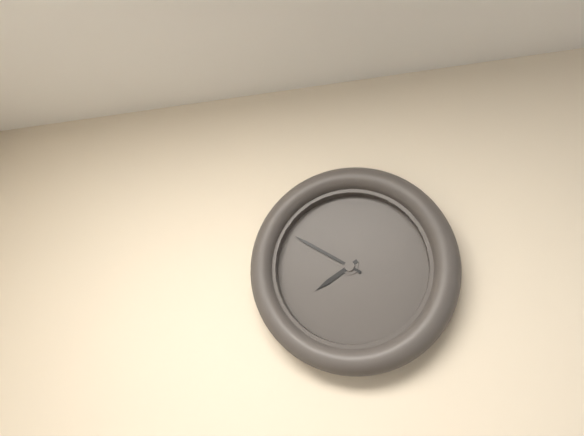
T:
**7:50**
